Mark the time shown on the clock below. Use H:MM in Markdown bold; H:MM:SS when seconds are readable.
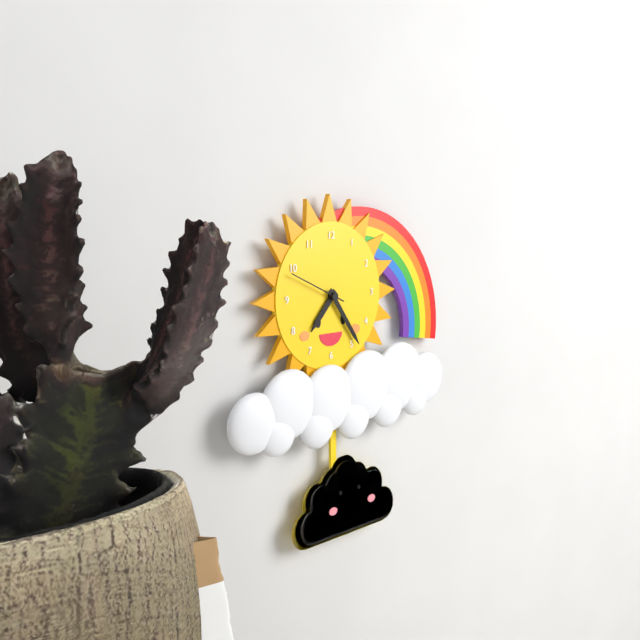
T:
**7:24:49**
